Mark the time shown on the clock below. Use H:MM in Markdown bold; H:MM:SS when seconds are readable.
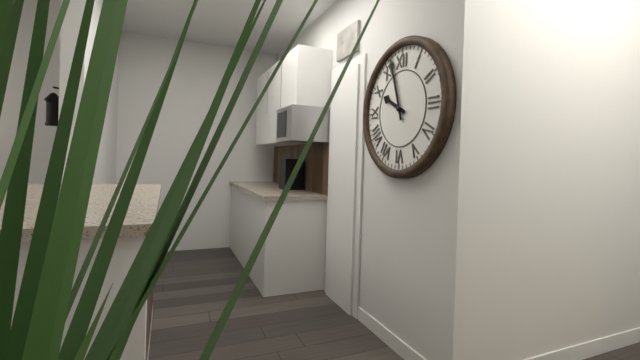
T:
**9:57**
